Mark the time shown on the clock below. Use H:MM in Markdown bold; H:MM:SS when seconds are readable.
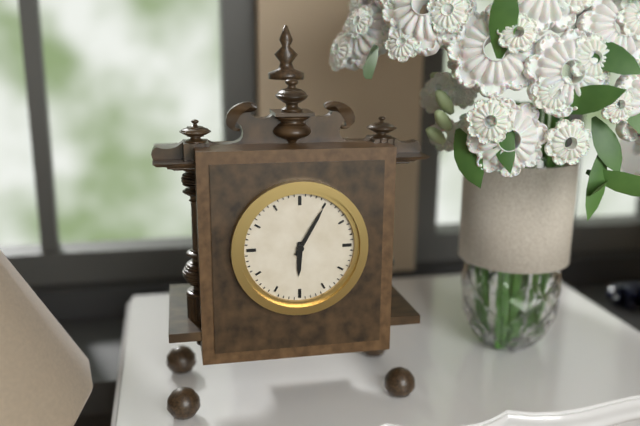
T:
**6:05**
